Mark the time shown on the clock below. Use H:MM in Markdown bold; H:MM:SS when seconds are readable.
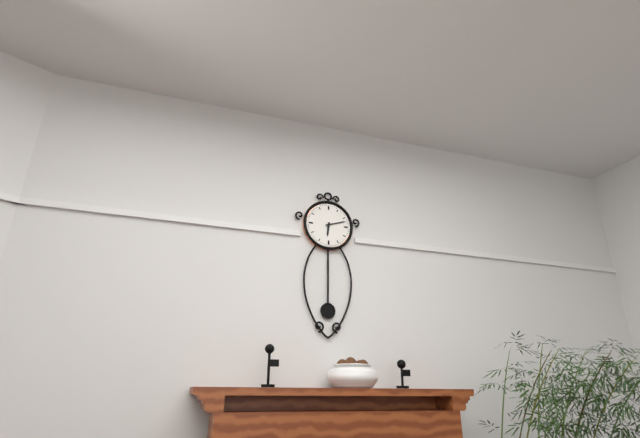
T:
**6:12**
